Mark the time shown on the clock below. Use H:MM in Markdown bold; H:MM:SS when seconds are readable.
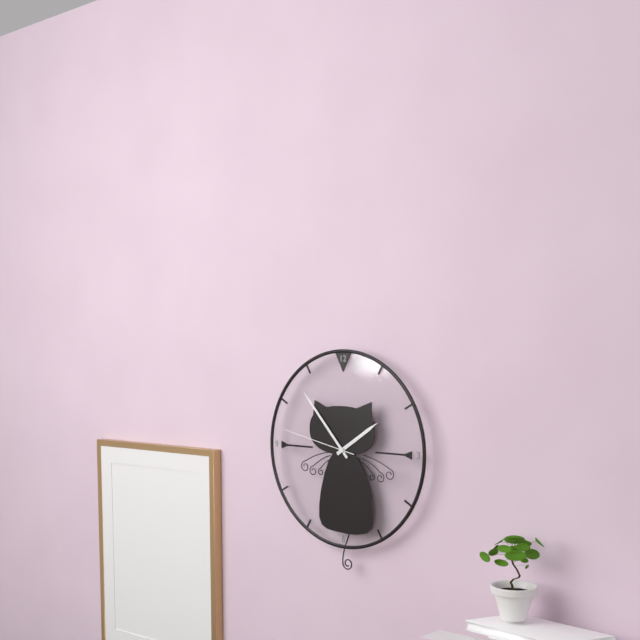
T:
**1:53:47**
